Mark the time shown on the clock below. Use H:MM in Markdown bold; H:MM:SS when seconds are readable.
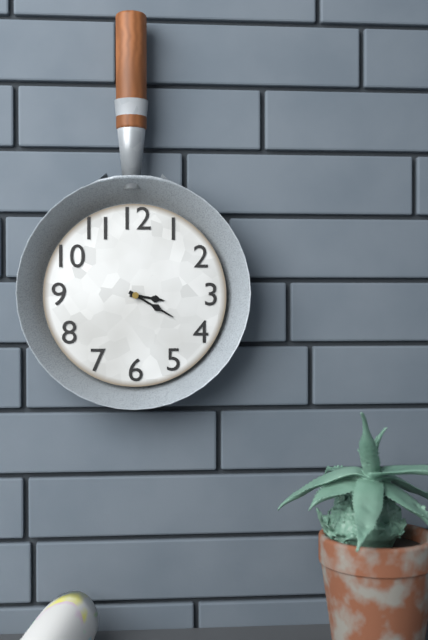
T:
**3:20**
